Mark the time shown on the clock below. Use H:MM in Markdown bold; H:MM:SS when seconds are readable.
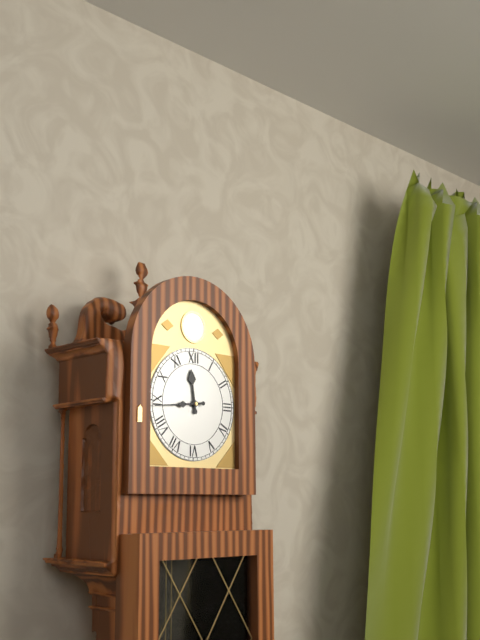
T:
**11:44**
